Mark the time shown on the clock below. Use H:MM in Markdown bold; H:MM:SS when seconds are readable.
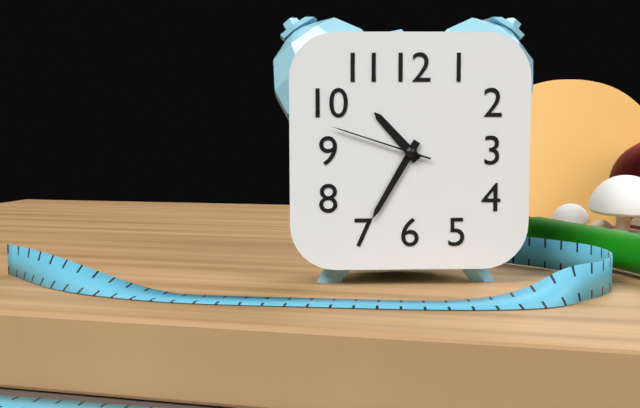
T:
**10:35:48**
